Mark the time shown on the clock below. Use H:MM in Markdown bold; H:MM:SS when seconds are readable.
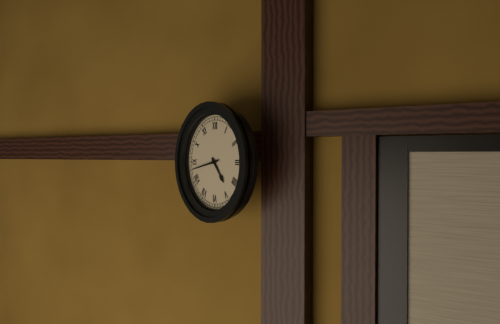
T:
**4:43**
